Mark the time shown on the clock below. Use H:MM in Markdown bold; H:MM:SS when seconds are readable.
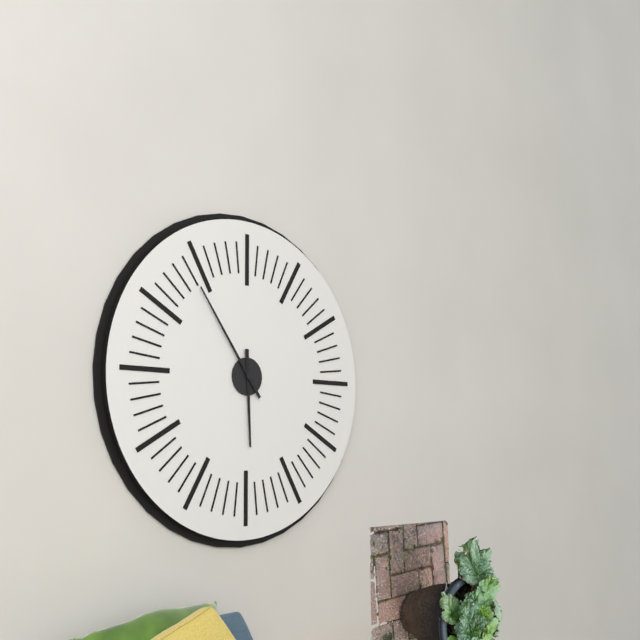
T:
**5:54**
